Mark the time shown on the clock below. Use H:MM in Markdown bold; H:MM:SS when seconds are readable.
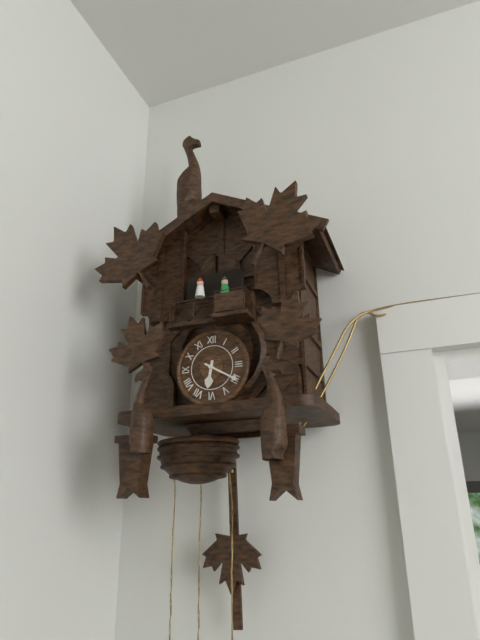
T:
**6:20**
